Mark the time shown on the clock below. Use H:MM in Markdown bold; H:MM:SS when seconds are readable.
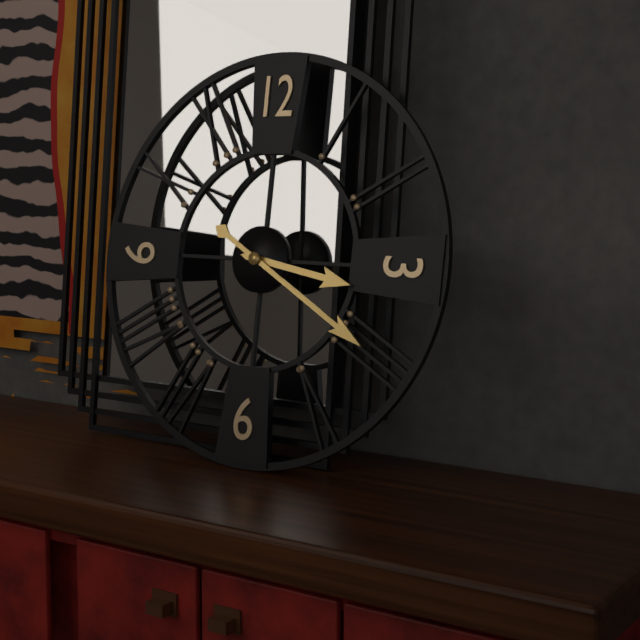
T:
**3:20**
